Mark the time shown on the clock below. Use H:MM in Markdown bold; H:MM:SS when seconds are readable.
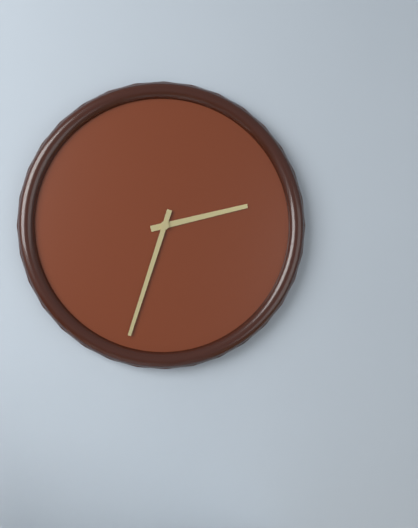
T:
**2:33**
